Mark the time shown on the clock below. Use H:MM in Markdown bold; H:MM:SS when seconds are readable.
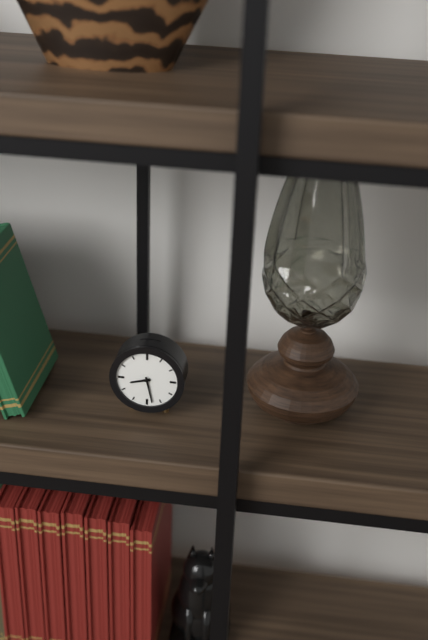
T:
**8:28**
